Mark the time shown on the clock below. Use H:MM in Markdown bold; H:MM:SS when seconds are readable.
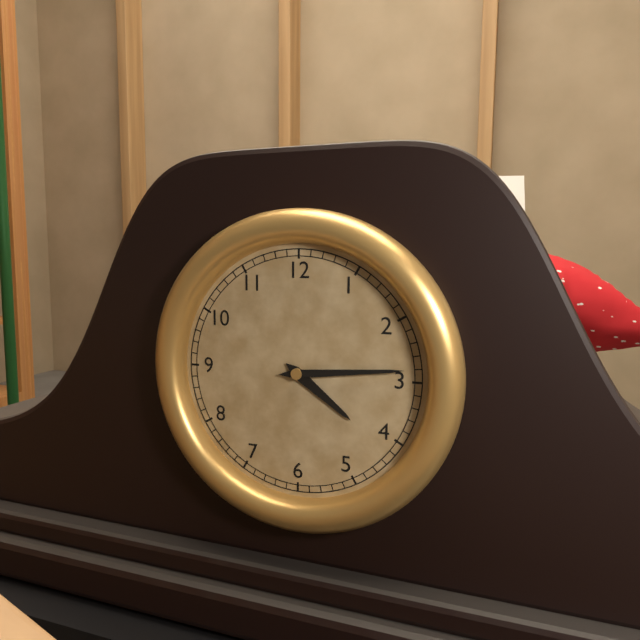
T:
**4:14**
